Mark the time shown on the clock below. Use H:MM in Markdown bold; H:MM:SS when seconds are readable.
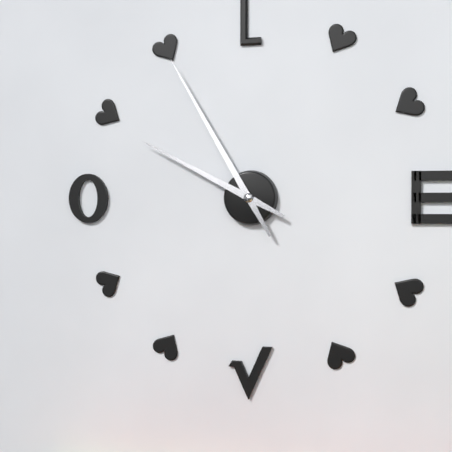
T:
**9:55**
